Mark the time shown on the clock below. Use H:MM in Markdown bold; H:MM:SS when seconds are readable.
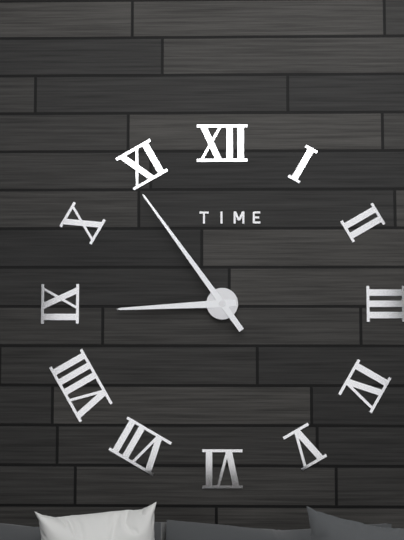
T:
**8:54**
